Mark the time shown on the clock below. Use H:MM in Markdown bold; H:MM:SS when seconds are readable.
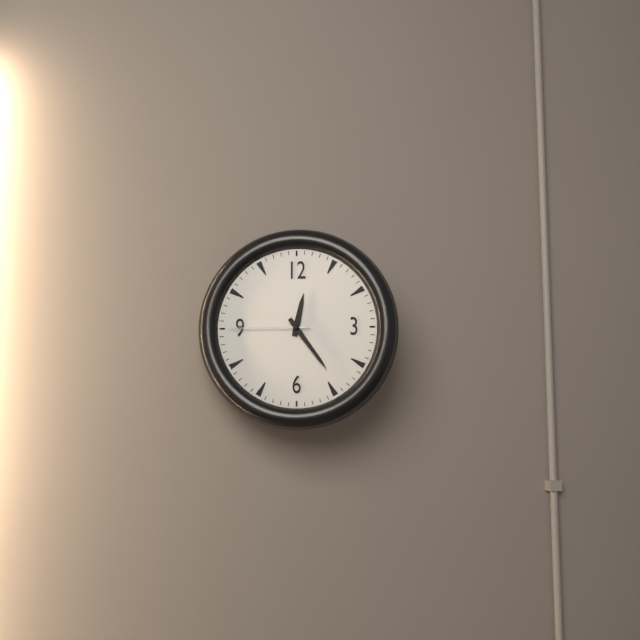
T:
**12:24:45**
